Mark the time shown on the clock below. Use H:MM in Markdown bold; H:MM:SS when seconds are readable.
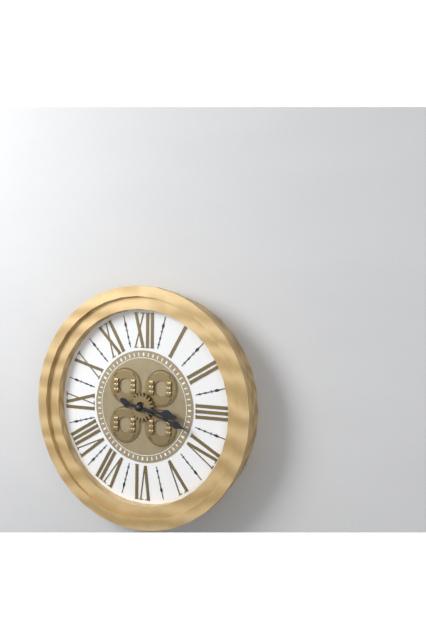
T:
**3:18**
